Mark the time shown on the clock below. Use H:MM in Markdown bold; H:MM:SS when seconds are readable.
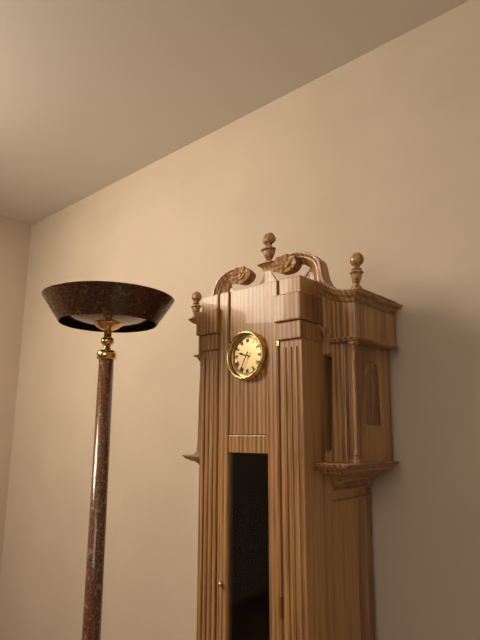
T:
**9:35**
